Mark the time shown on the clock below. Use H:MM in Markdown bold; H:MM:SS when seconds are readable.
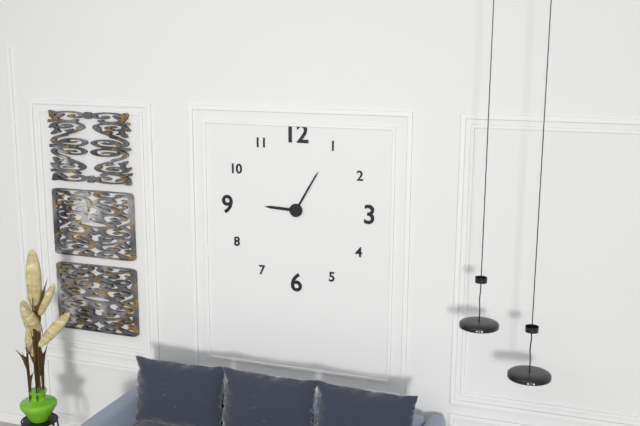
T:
**9:05**
